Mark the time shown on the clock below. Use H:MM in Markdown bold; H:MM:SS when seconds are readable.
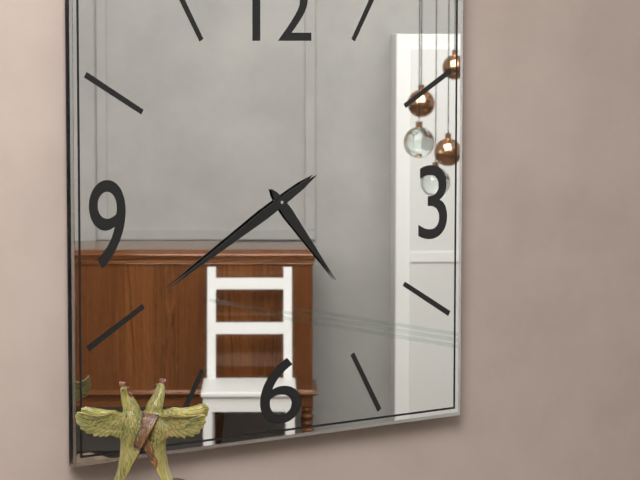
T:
**4:40**
